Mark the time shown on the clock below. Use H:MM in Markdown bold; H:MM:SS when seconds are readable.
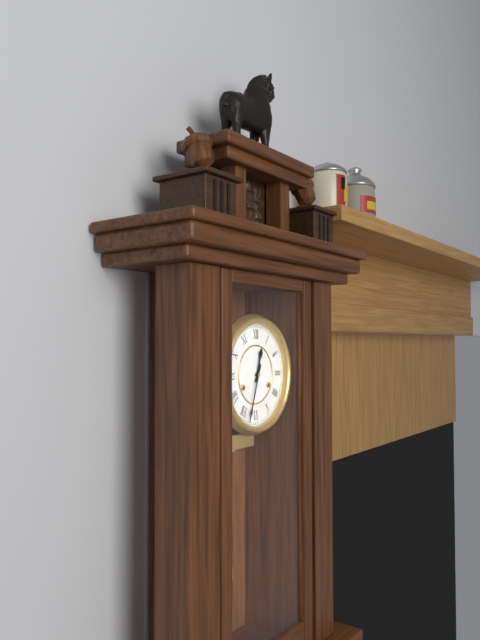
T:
**12:33**
